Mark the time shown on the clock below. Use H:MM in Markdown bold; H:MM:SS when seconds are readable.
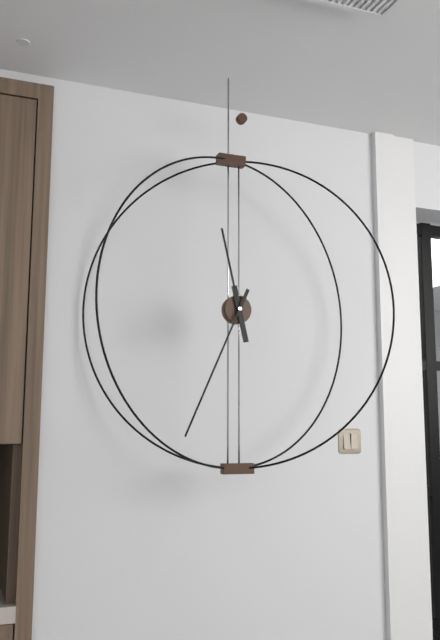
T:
**11:34**
